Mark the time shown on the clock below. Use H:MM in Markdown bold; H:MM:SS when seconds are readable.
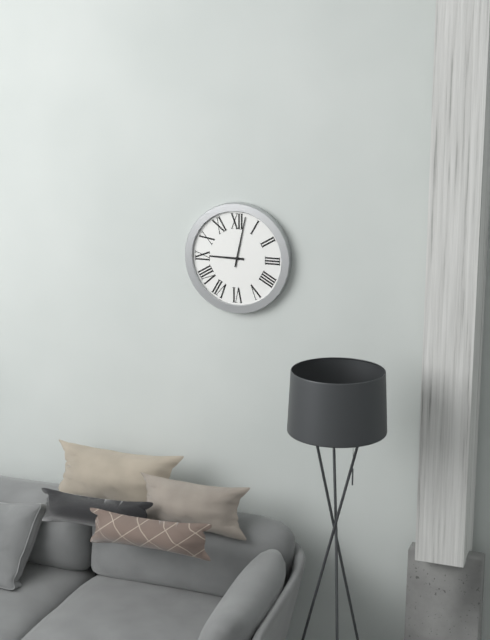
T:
**9:02**
